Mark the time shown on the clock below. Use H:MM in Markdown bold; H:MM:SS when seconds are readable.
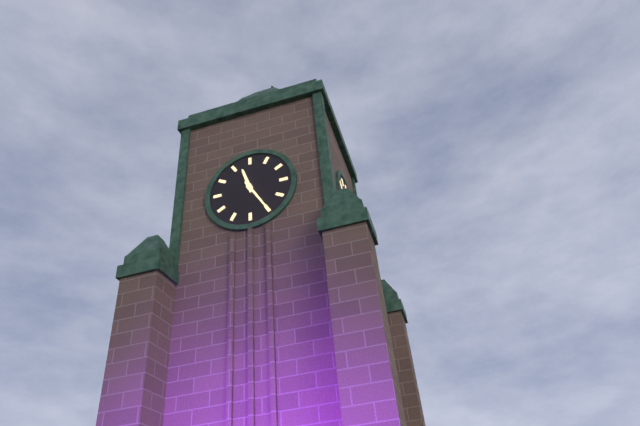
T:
**11:25**
